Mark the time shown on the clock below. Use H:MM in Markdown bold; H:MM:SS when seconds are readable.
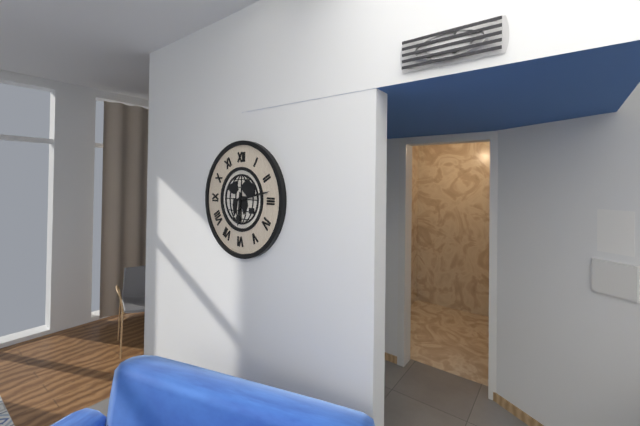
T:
**6:13**
